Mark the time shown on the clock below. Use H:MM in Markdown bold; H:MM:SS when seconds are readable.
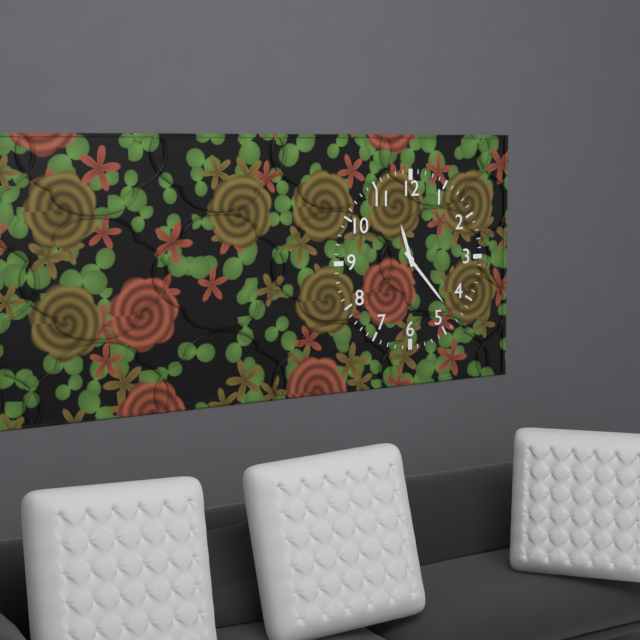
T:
**11:23**
